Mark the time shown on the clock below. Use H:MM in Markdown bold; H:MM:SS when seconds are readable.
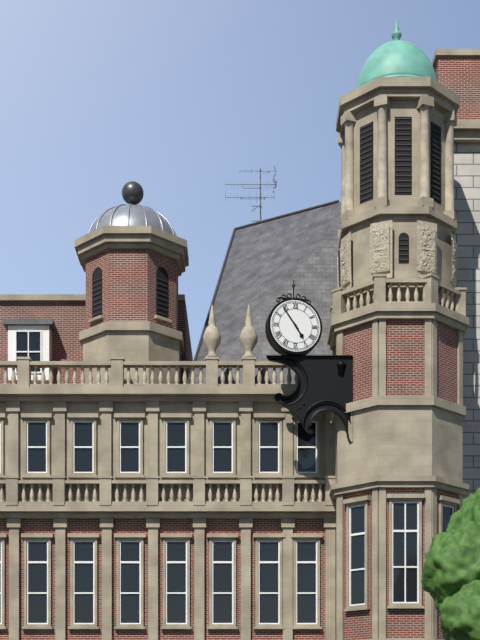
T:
**4:54**
